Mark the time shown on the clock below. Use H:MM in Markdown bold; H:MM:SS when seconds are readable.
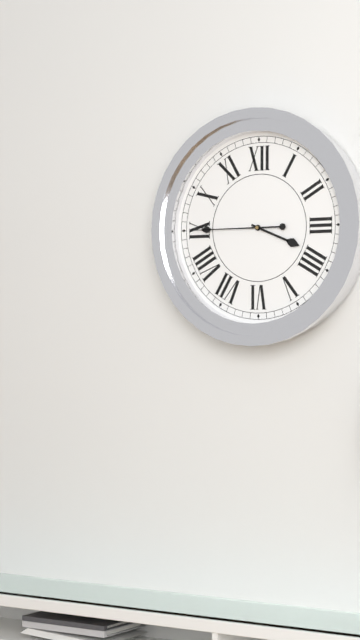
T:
**3:45**
